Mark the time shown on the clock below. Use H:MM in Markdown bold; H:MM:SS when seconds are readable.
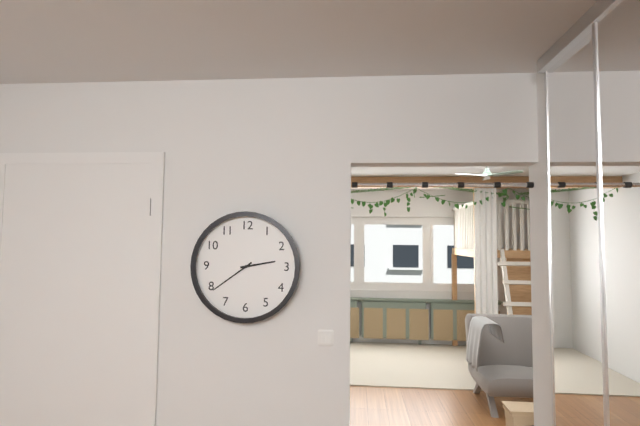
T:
**2:39**
